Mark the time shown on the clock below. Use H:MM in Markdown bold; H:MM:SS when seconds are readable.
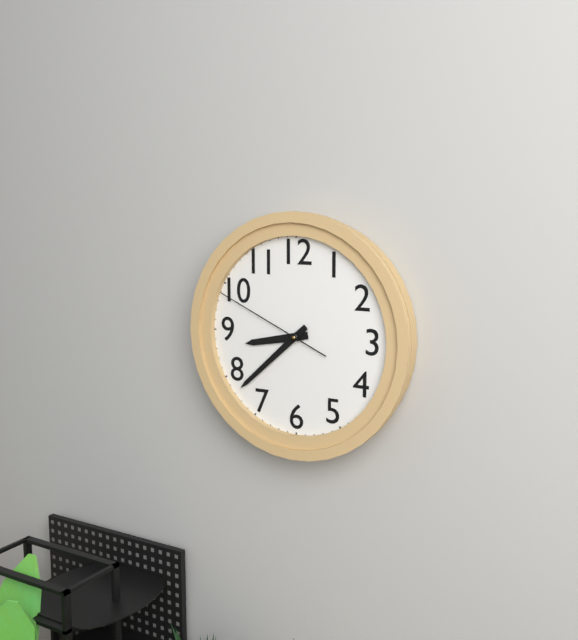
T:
**8:38:49**
